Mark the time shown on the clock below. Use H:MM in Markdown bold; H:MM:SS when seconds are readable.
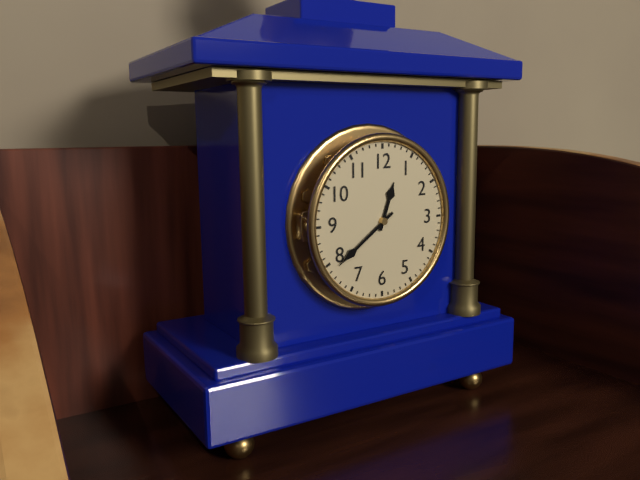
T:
**12:39**
